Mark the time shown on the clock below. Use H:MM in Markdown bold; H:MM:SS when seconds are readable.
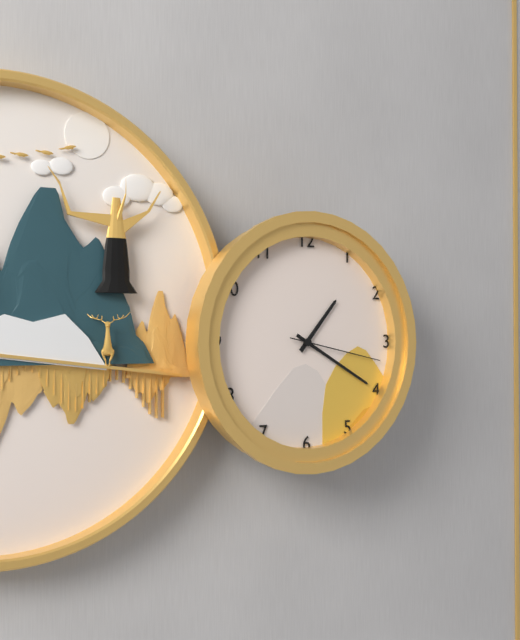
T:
**1:20:17**
